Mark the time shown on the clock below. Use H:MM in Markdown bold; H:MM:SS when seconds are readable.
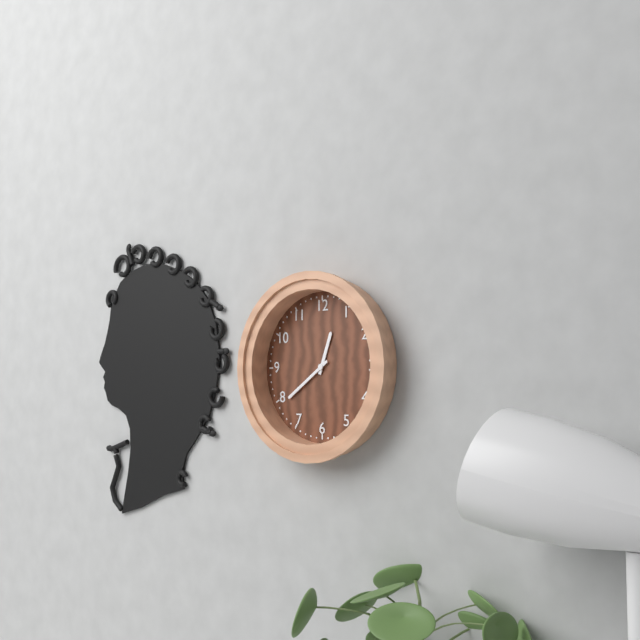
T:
**12:39**
